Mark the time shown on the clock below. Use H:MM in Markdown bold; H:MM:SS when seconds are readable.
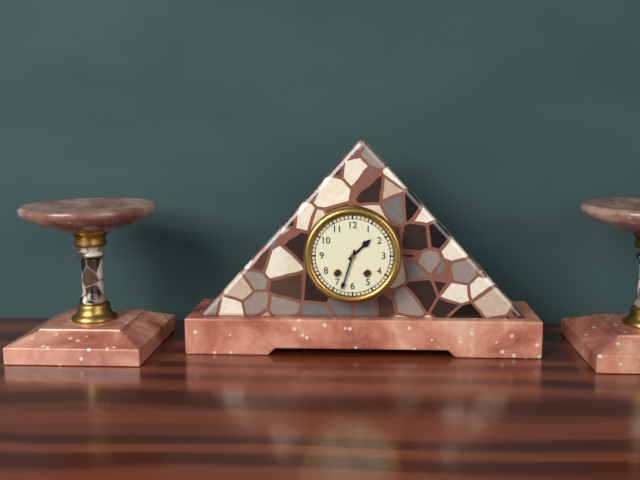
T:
**1:33**
